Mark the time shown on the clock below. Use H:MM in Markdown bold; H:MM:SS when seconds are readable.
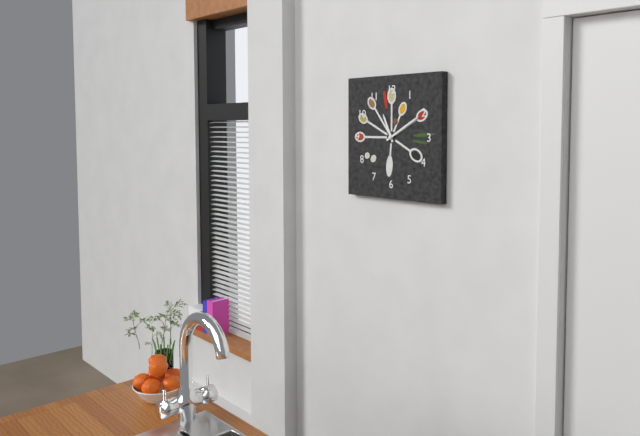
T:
**11:10**
